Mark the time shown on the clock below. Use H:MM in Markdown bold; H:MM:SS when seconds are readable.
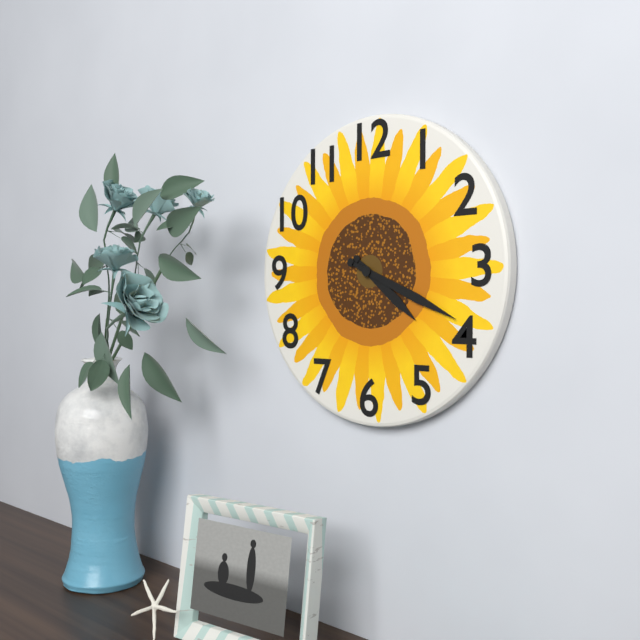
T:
**4:19**
